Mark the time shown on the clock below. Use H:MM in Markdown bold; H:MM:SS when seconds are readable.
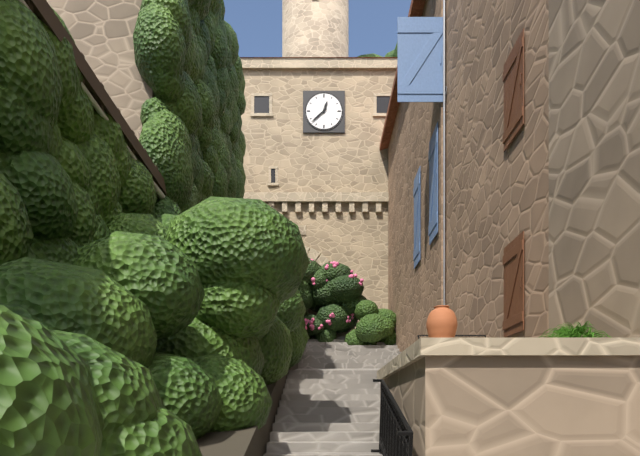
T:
**12:38**
